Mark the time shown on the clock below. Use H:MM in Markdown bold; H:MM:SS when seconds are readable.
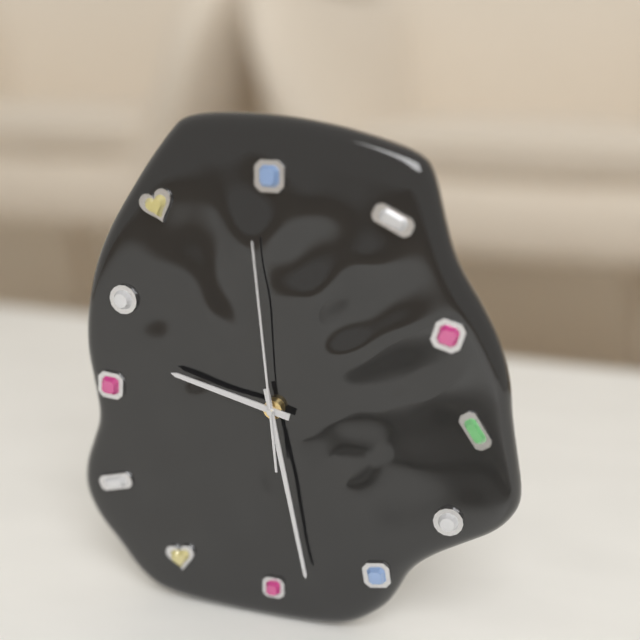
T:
**9:28:59**
